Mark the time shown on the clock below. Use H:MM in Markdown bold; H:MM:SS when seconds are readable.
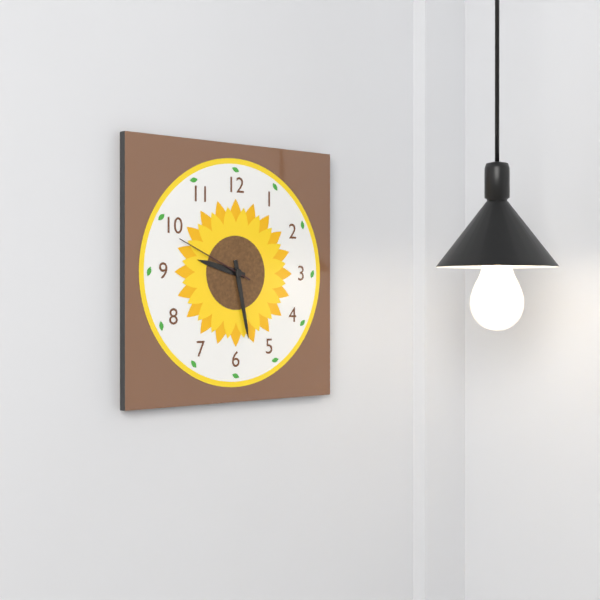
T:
**9:28:49**
